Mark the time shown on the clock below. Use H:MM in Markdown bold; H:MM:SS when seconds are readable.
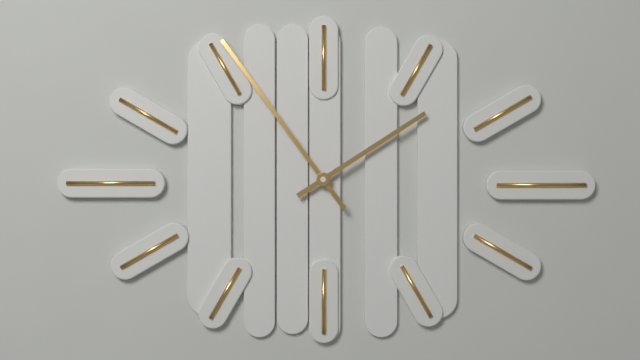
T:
**1:54**
